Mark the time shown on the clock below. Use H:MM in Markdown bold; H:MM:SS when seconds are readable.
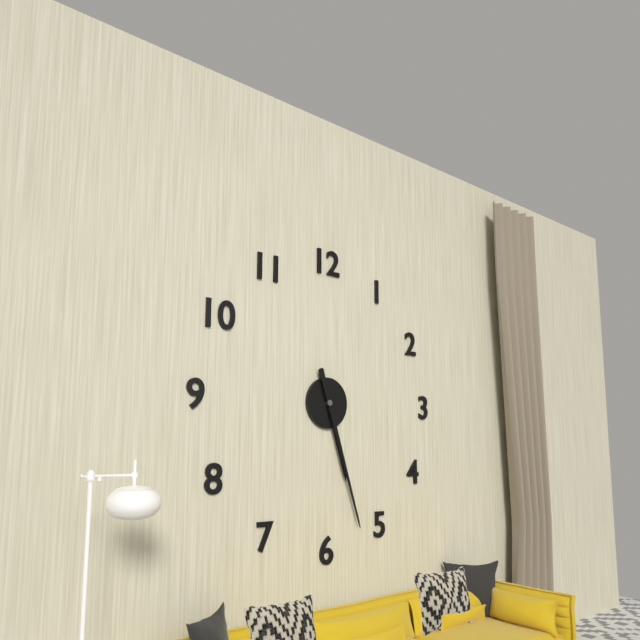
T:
**5:27**
